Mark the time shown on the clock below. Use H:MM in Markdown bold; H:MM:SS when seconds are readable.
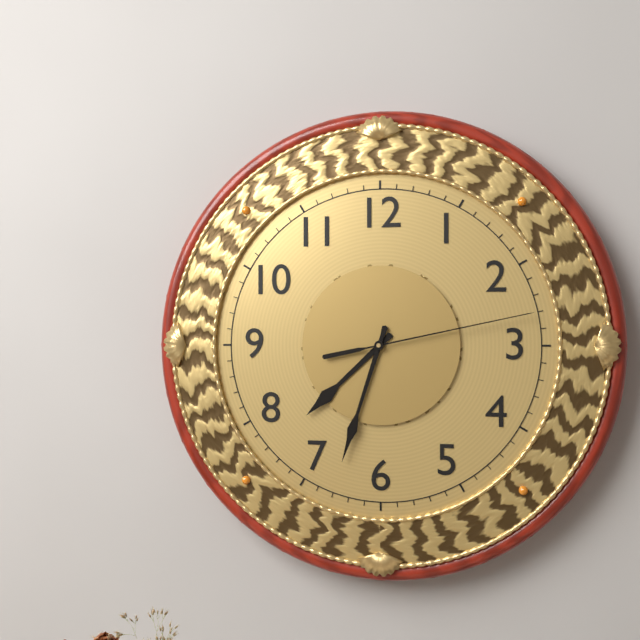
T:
**7:33:13**
